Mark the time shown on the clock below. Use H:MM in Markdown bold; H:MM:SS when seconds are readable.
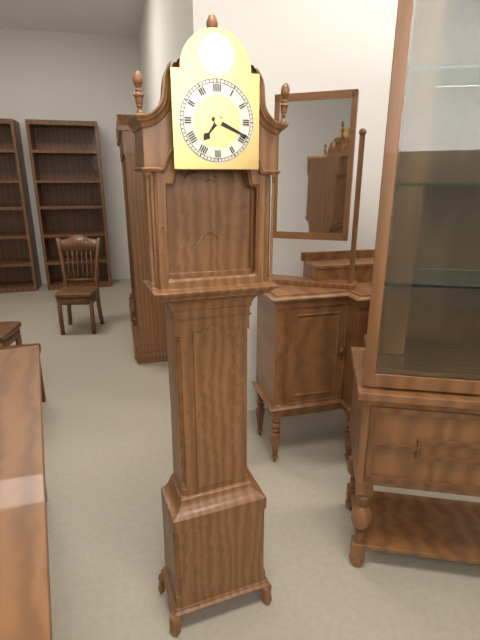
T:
**7:19**
